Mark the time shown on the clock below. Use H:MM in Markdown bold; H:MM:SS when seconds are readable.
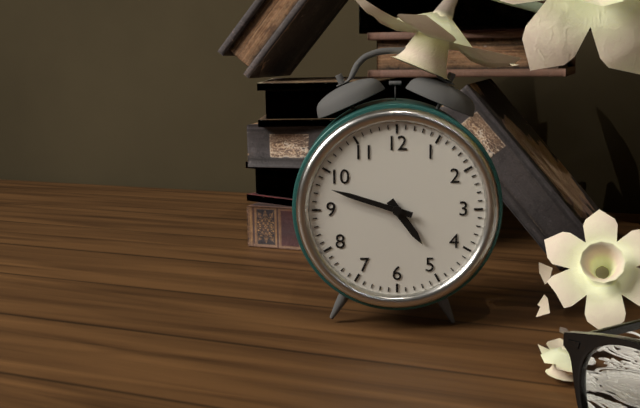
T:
**4:48**
